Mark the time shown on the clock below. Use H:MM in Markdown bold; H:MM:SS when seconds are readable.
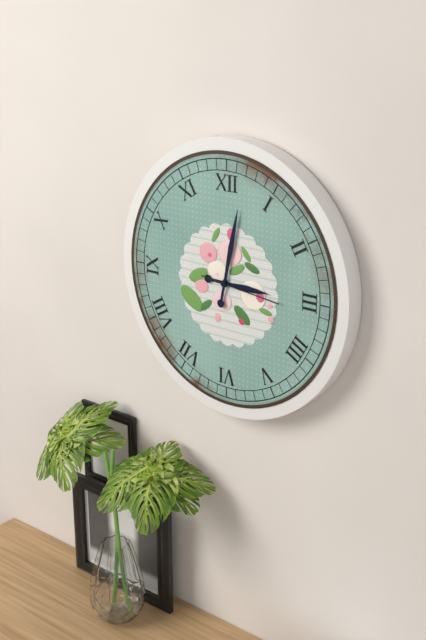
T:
**3:02:16**
